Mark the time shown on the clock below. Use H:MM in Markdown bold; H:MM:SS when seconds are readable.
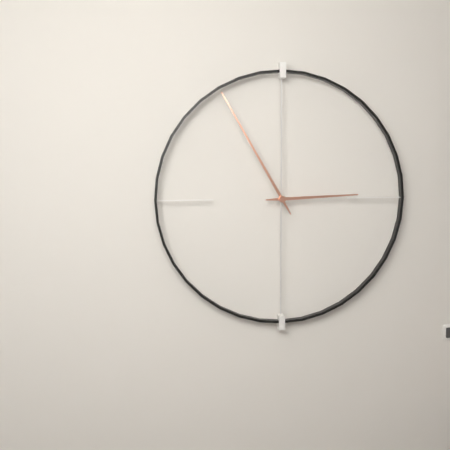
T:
**2:55**
